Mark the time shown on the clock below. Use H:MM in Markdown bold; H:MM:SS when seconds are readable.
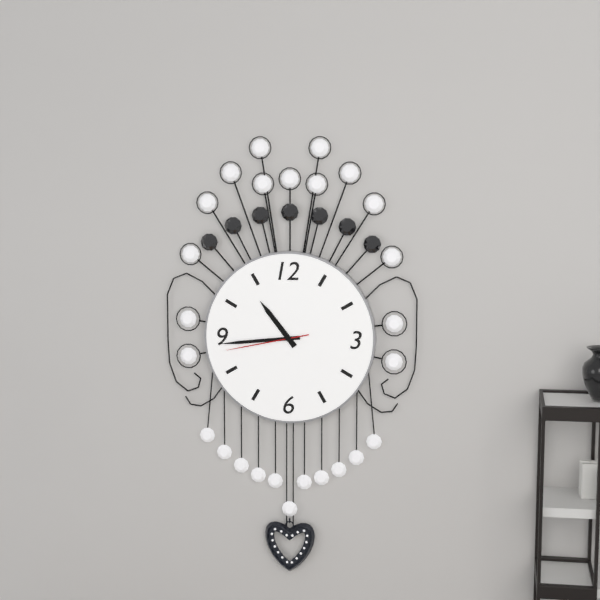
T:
**10:44:43**
